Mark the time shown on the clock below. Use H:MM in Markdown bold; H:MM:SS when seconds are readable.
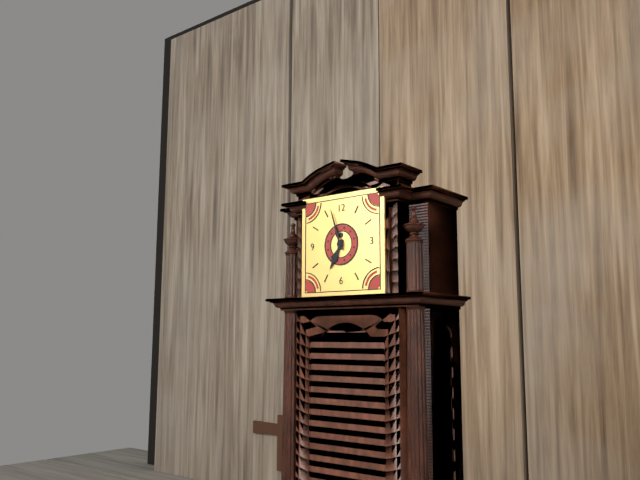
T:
**6:57**
